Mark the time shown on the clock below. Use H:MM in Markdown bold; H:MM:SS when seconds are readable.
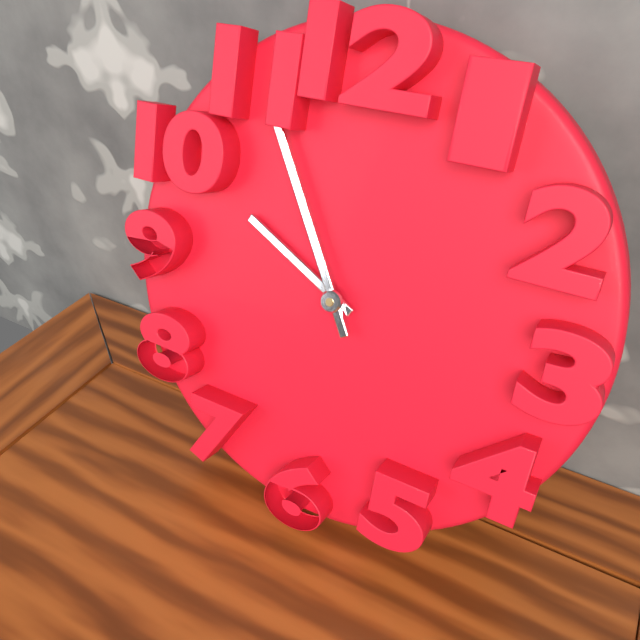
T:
**9:55**
